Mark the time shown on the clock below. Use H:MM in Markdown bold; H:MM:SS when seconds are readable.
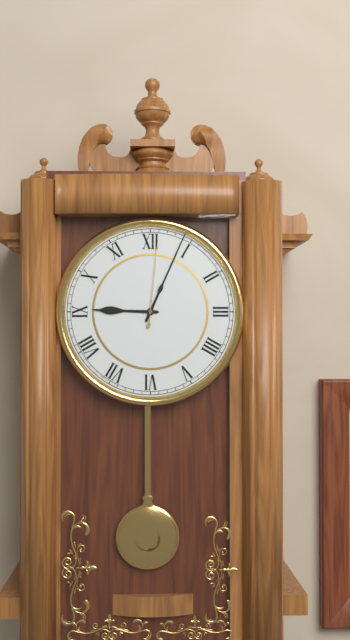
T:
**9:04:01**
